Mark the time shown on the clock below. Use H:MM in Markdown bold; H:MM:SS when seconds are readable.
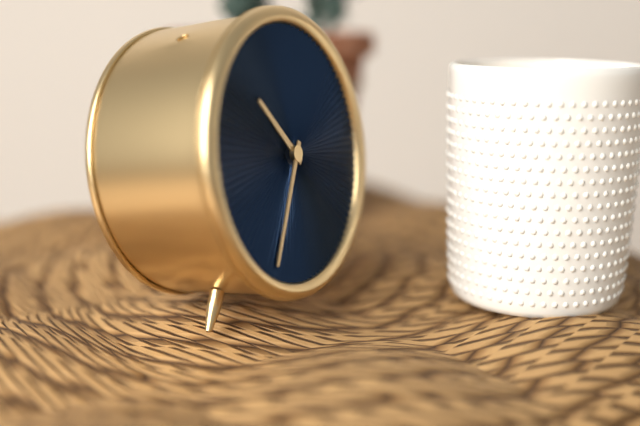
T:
**10:35**
